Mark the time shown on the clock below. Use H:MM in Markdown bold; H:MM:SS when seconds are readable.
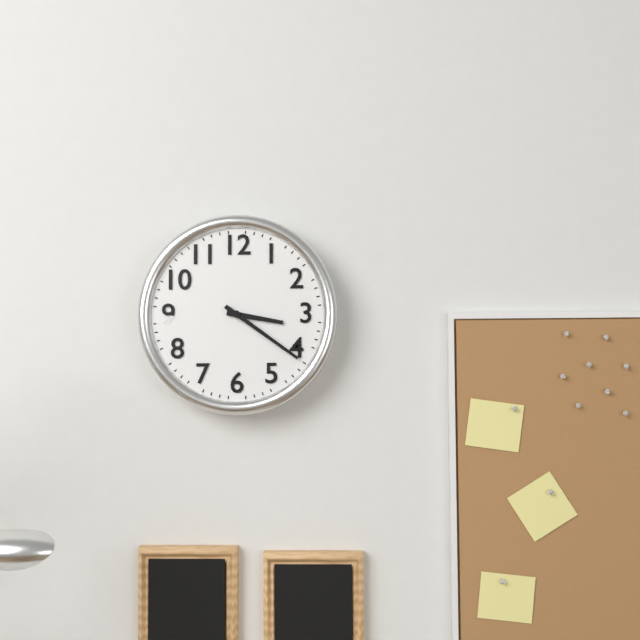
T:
**3:21**
